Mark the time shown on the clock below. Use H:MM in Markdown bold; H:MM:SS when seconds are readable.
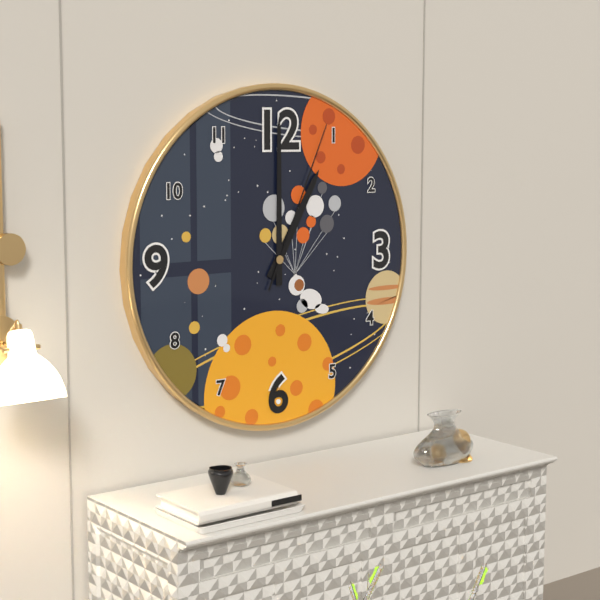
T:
**1:00:04**
